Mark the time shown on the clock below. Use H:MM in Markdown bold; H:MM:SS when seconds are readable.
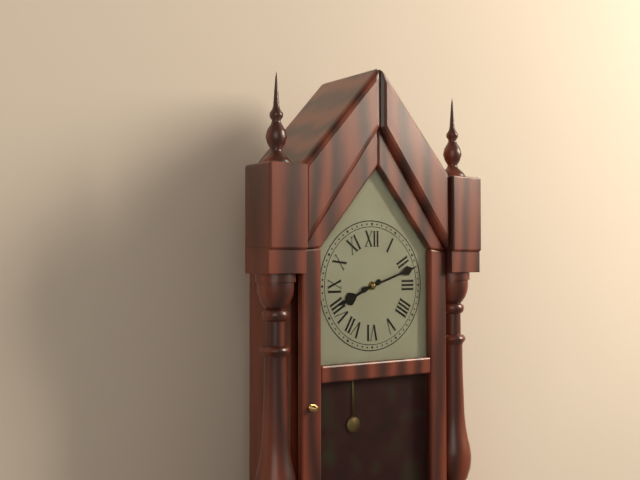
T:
**8:12**
